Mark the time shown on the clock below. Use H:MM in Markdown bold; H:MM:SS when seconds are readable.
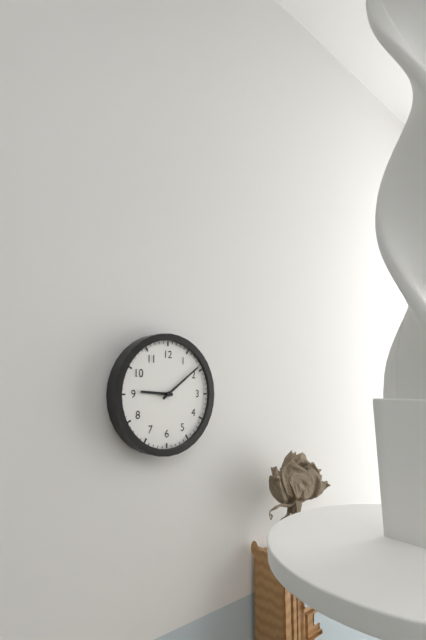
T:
**9:09**
